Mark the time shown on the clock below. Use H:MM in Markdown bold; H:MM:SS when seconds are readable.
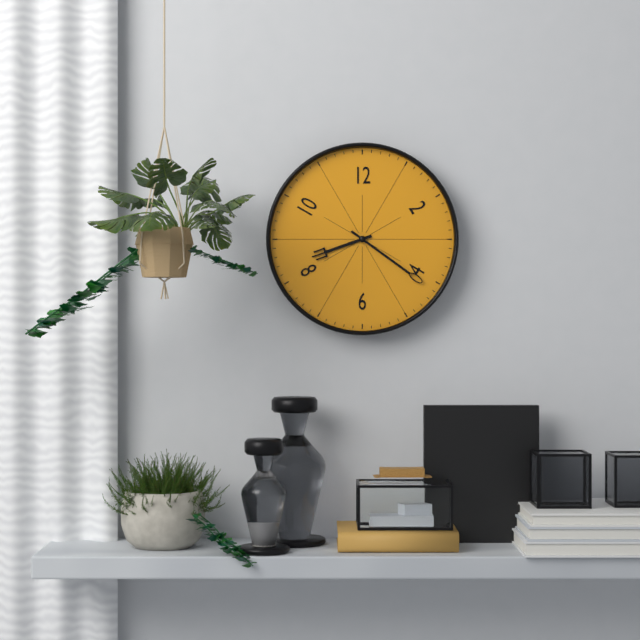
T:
**8:21**
